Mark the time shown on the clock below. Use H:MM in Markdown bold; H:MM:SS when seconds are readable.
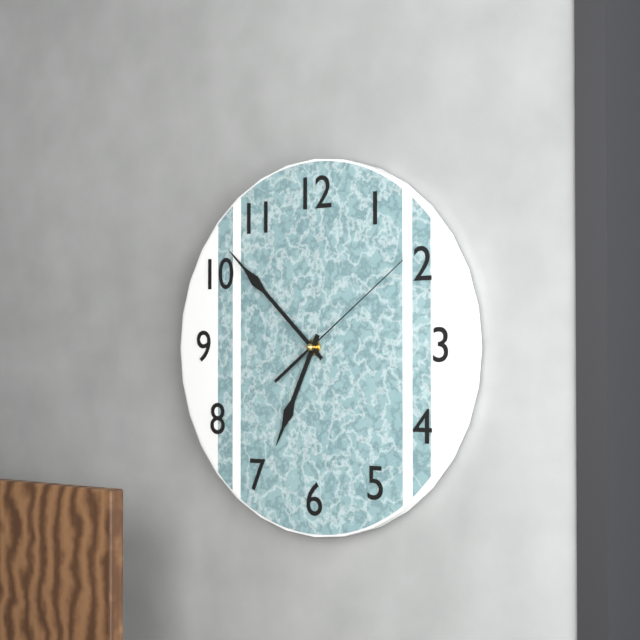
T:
**6:52:09**
